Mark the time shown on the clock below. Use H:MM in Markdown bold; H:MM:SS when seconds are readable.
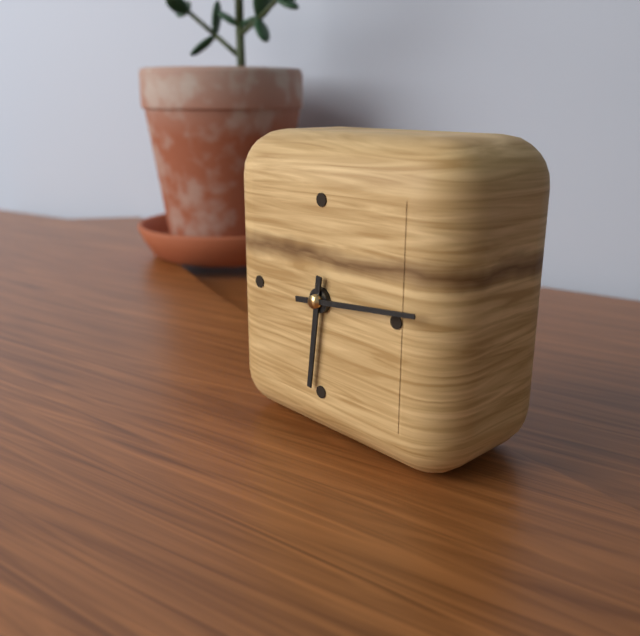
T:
**6:14**
